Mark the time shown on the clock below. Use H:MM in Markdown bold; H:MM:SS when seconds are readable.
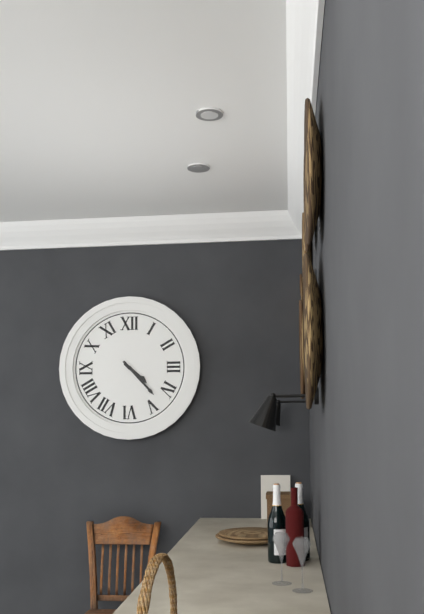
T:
**4:23**
